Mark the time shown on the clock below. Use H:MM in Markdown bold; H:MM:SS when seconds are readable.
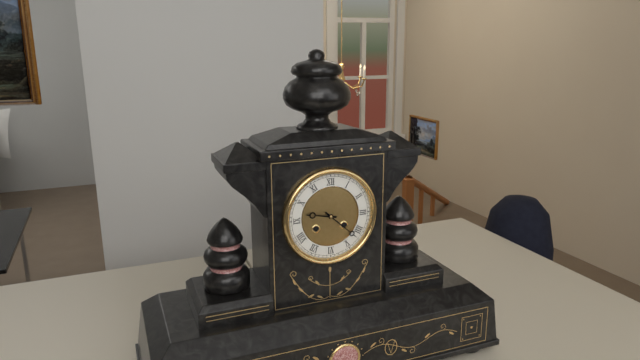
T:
**9:22**
